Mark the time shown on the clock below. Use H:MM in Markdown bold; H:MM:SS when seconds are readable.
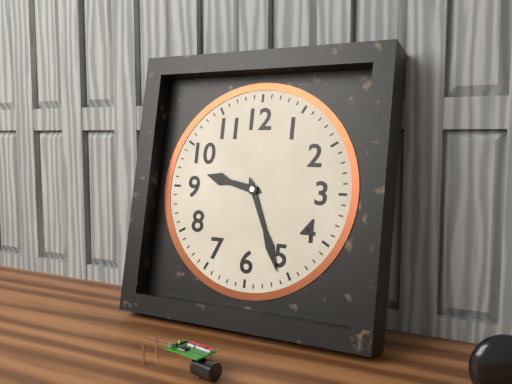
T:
**9:26**
